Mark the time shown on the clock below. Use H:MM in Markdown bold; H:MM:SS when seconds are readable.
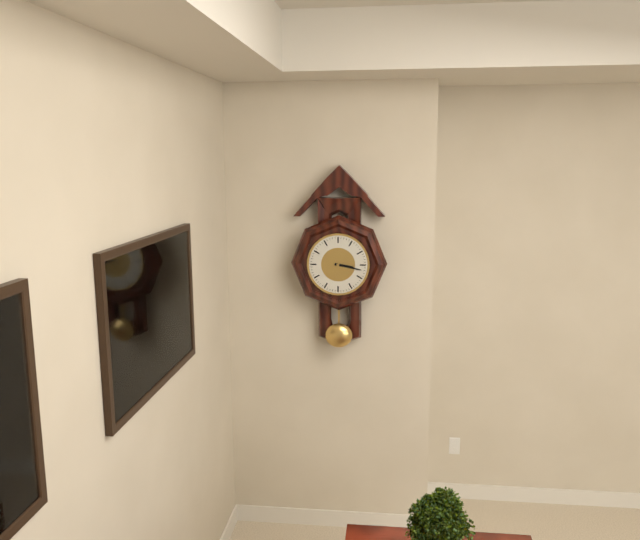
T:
**3:17**
